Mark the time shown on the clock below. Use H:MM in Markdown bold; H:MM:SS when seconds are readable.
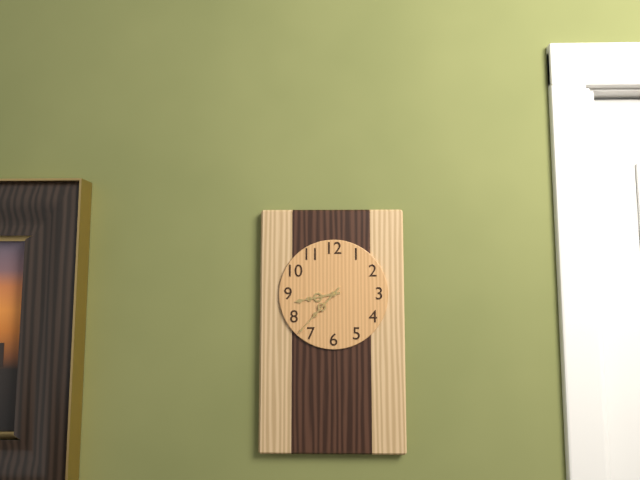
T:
**8:37**
